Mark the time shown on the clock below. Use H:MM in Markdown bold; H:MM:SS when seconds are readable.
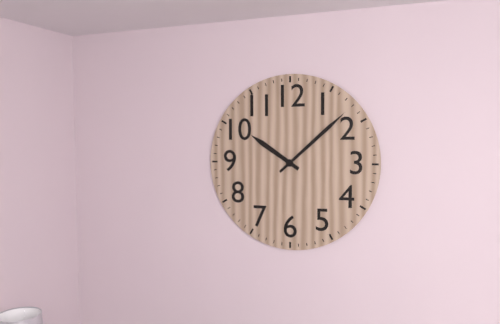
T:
**10:08**
